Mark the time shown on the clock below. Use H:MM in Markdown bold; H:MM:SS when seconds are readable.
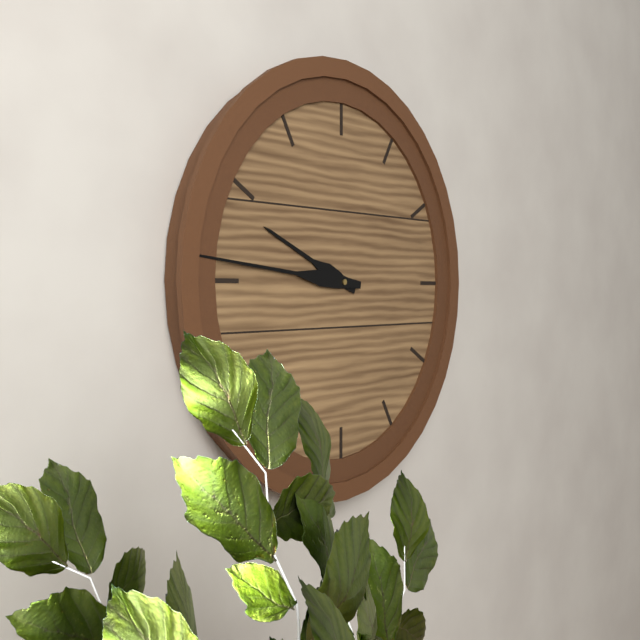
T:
**9:46**
